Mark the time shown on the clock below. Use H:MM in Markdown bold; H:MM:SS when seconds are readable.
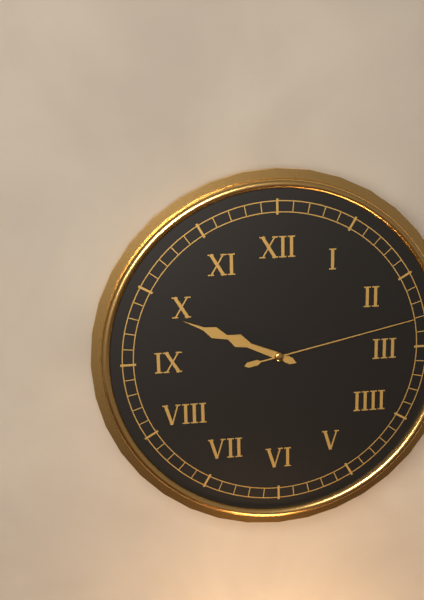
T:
**9:49:13**
